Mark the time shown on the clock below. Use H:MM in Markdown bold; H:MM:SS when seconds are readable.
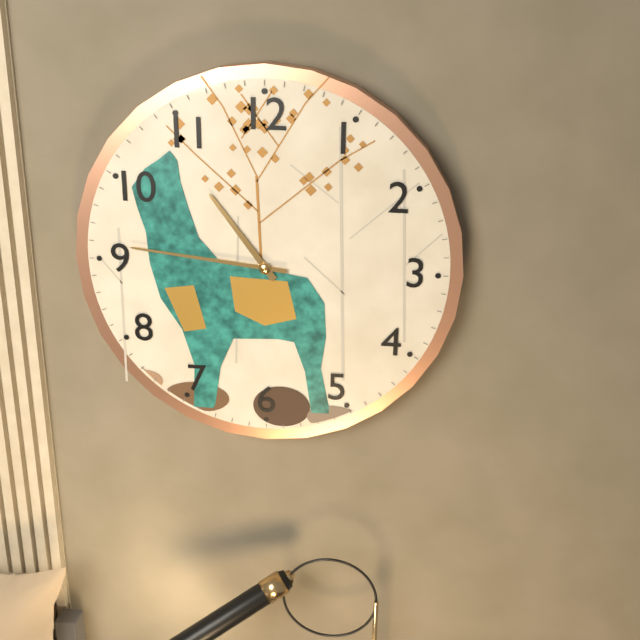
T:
**10:46**
